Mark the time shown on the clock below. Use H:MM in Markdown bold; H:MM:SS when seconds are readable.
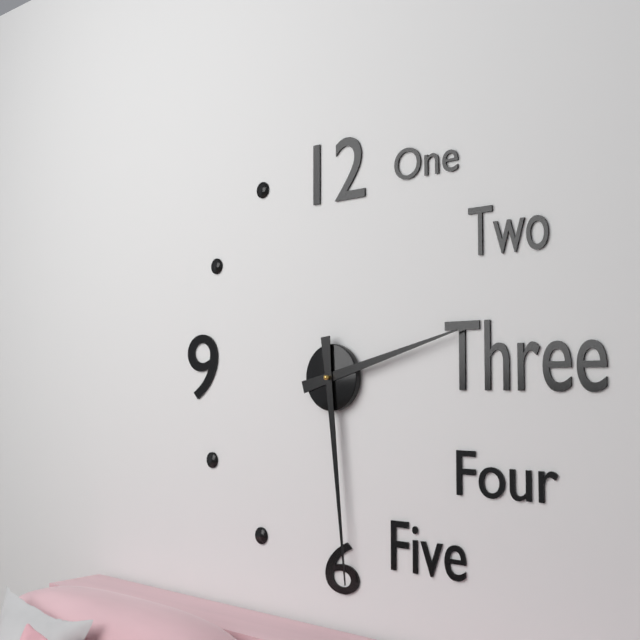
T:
**2:29**
